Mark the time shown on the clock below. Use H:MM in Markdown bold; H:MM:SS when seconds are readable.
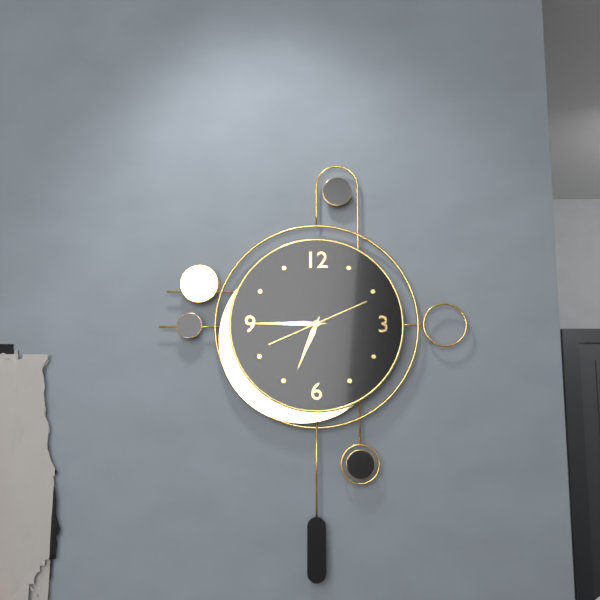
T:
**6:45:11**
